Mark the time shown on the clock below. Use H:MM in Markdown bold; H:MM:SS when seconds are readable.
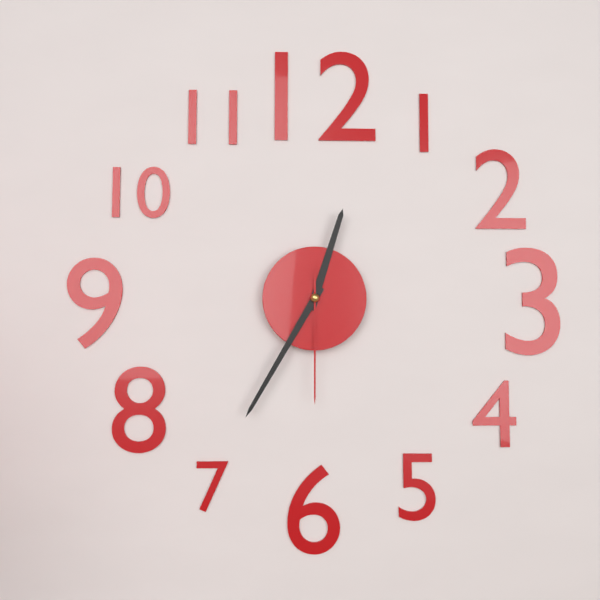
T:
**12:35:30**
